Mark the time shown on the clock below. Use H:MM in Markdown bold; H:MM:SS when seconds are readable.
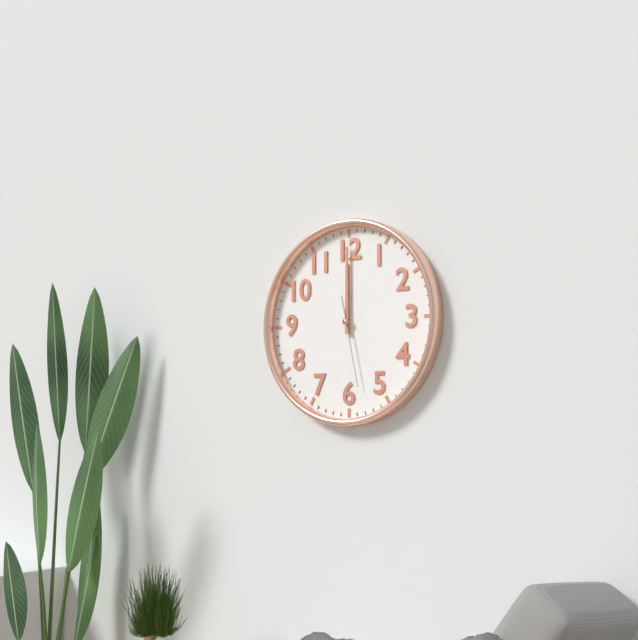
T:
**12:00:28**
